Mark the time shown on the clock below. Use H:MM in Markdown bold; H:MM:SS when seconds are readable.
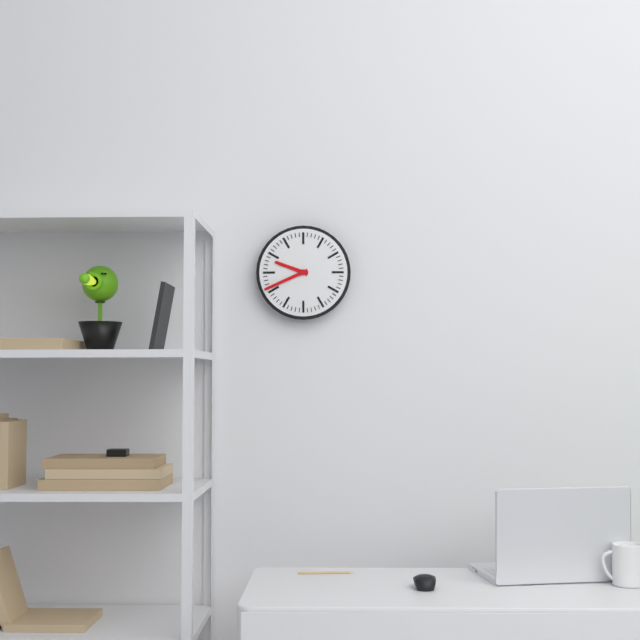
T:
**9:41**
